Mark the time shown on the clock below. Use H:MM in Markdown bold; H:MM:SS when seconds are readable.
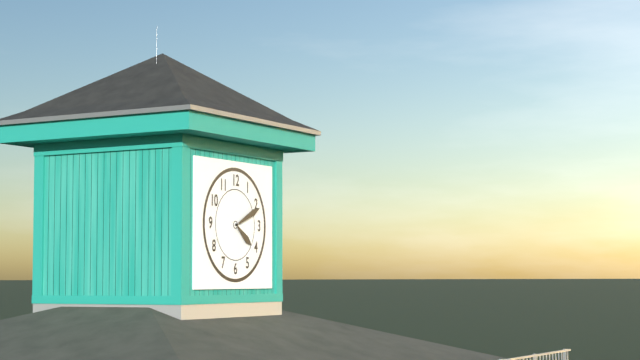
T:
**4:11**
